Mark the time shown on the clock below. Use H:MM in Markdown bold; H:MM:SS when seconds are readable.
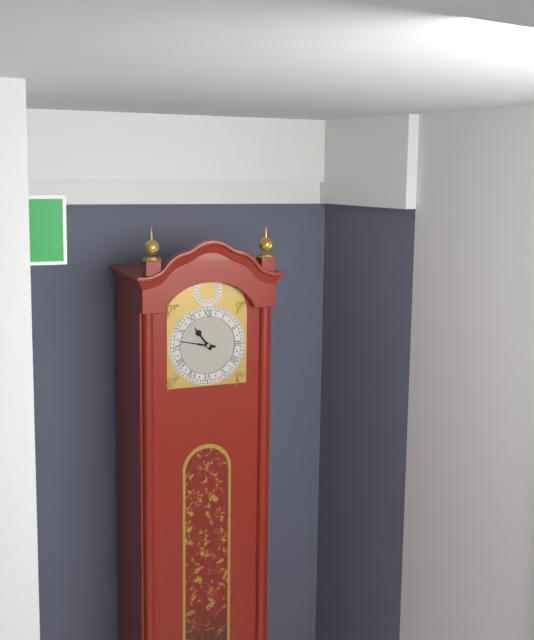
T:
**10:47**
